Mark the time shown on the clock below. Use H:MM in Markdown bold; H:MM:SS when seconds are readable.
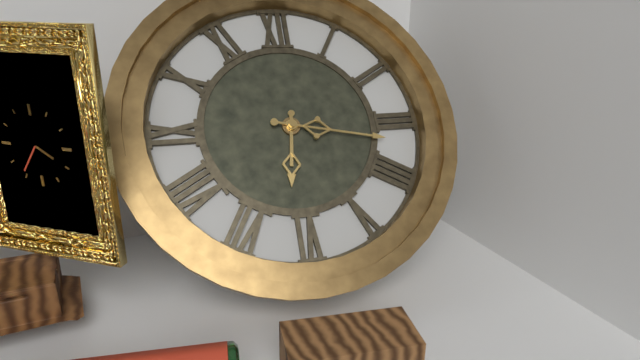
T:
**6:17**
